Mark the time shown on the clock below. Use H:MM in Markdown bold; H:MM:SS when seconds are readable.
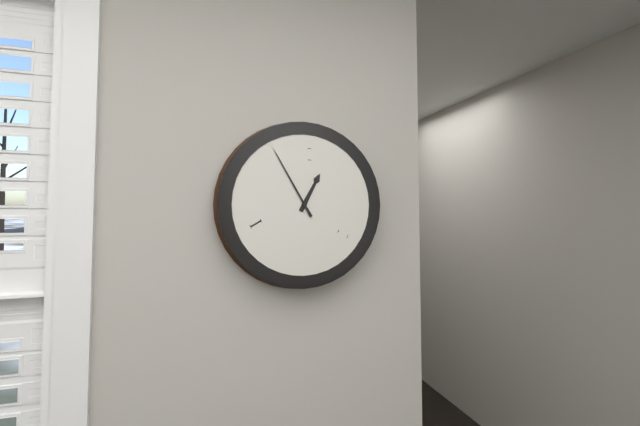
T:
**12:55**
